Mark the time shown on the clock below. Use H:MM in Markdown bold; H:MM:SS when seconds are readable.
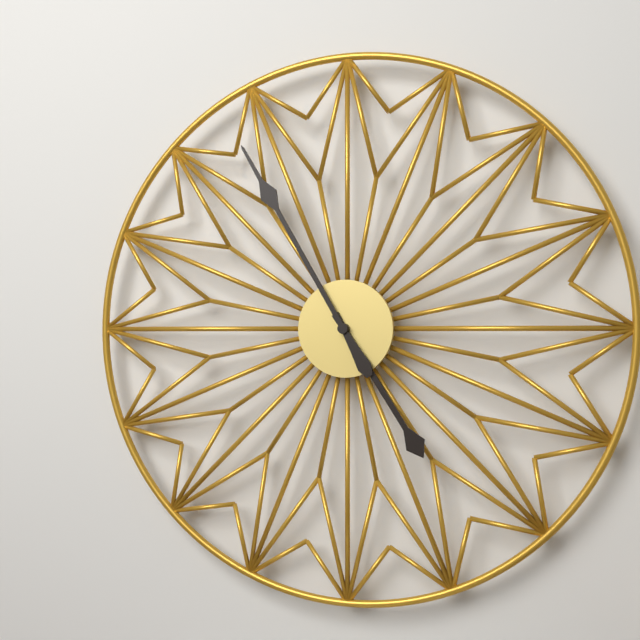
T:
**4:55**
